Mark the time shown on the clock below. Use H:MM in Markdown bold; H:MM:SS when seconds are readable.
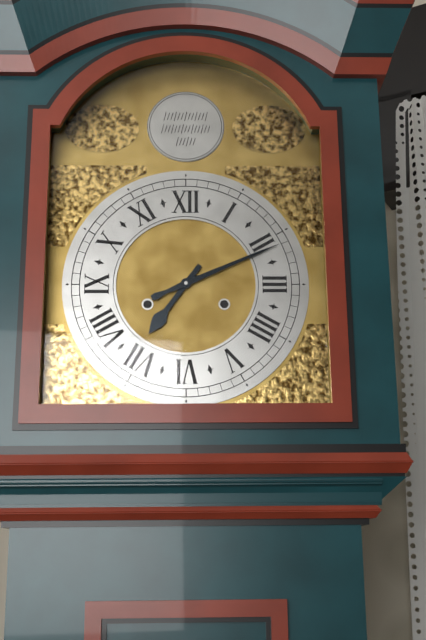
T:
**7:11**
